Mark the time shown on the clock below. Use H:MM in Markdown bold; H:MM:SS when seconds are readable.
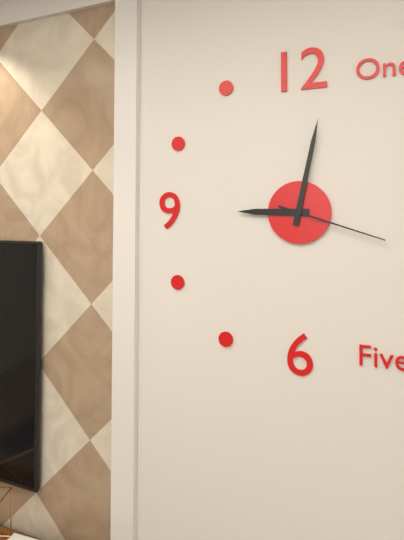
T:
**9:02:18**
